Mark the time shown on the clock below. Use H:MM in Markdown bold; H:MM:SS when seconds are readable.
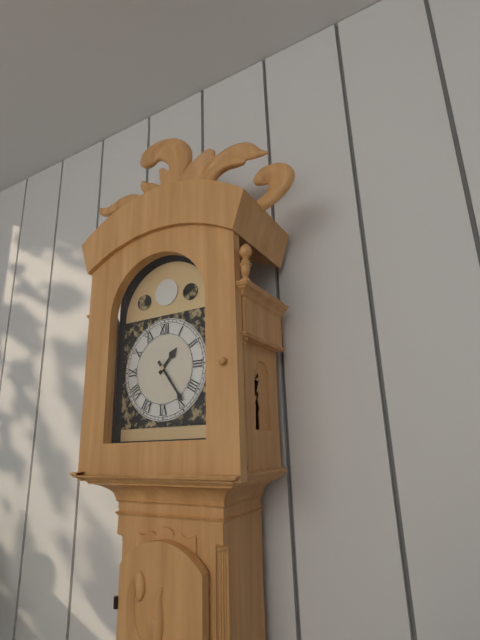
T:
**1:24**
